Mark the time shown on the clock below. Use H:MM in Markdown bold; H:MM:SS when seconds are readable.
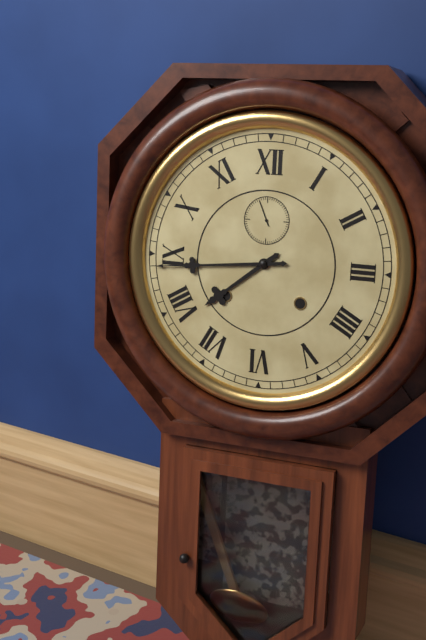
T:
**7:44**
